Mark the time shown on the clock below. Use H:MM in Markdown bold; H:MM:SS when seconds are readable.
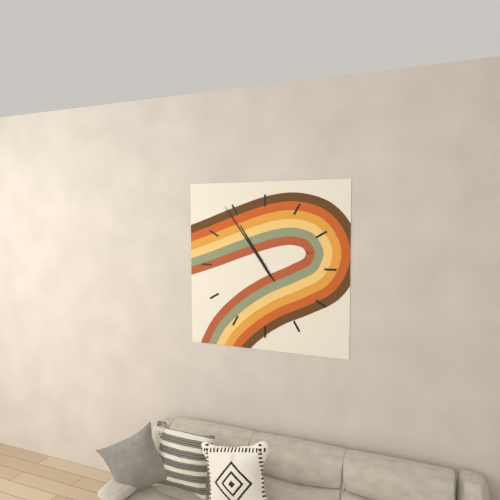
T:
**10:54**
